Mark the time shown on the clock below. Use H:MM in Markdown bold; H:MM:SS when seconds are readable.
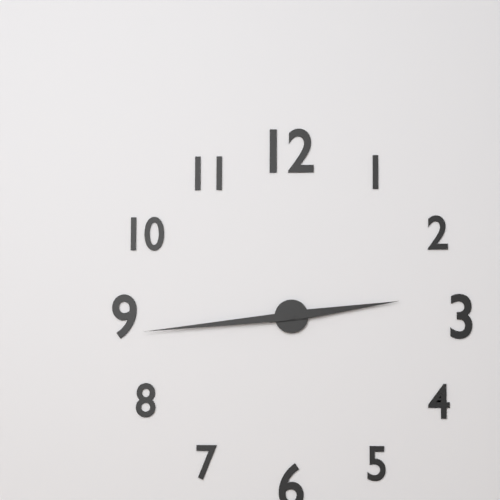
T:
**2:44**
